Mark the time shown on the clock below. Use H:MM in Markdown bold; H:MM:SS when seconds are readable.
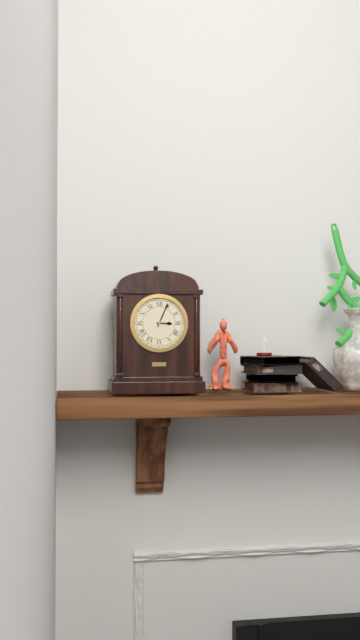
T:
**3:04**
